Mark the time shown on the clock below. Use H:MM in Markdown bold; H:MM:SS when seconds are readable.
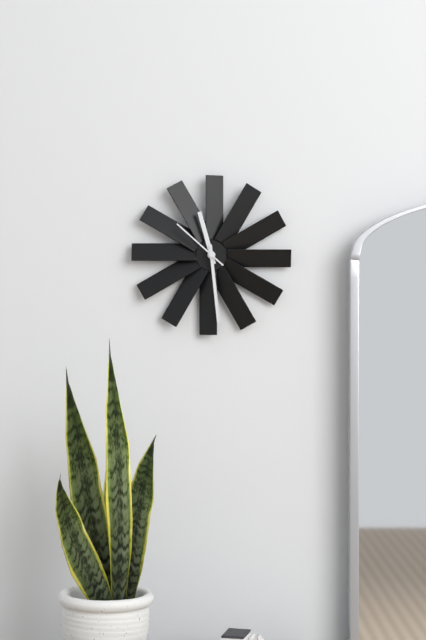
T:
**11:29:52**
